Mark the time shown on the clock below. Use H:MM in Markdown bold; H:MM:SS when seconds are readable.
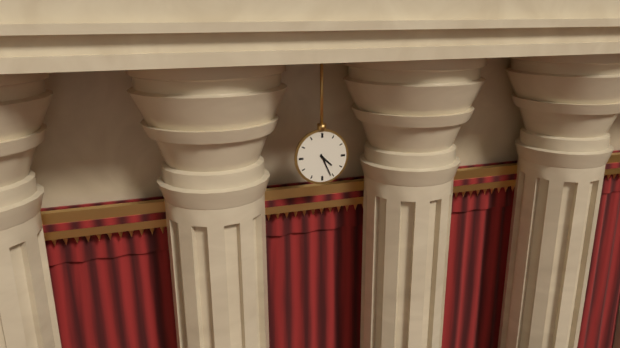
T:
**4:26**
